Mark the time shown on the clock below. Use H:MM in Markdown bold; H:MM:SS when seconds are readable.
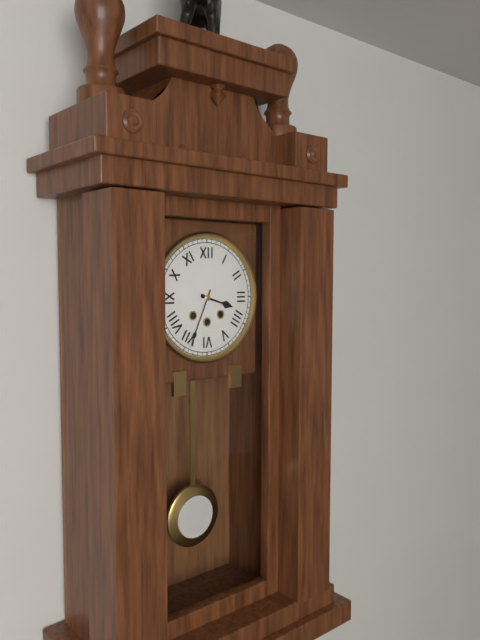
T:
**3:34**
